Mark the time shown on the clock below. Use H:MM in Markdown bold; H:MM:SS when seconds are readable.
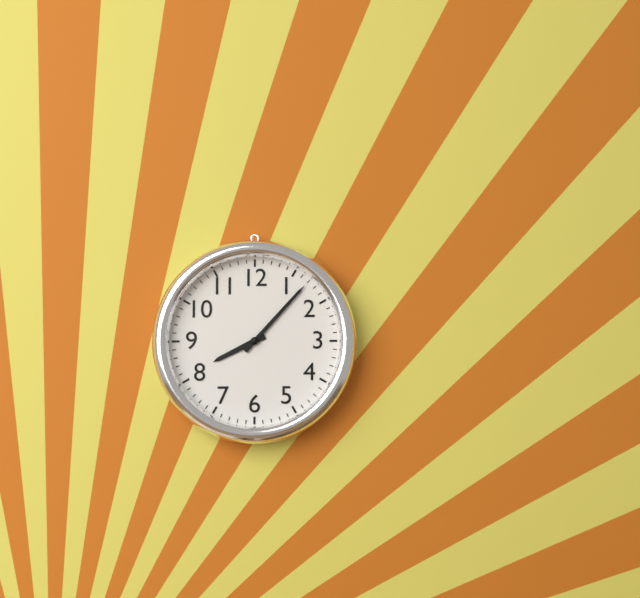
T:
**8:07**
